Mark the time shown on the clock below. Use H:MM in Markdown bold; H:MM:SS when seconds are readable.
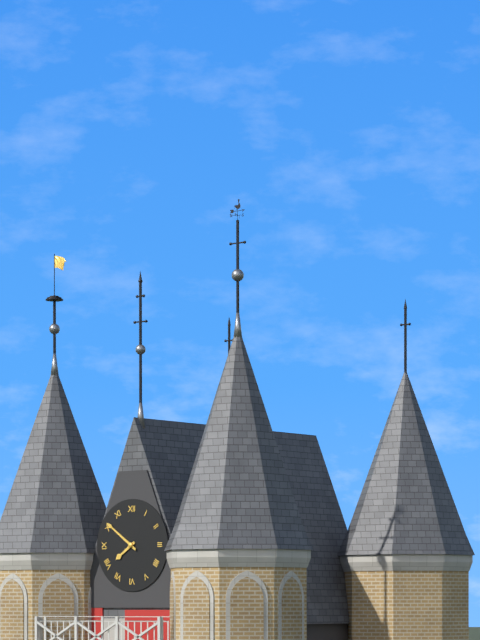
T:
**7:51**
